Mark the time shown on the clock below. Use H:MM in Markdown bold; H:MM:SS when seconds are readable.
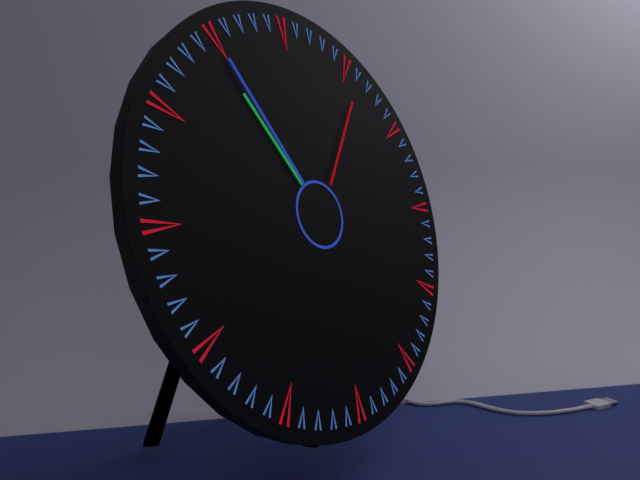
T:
**10:55:06**
